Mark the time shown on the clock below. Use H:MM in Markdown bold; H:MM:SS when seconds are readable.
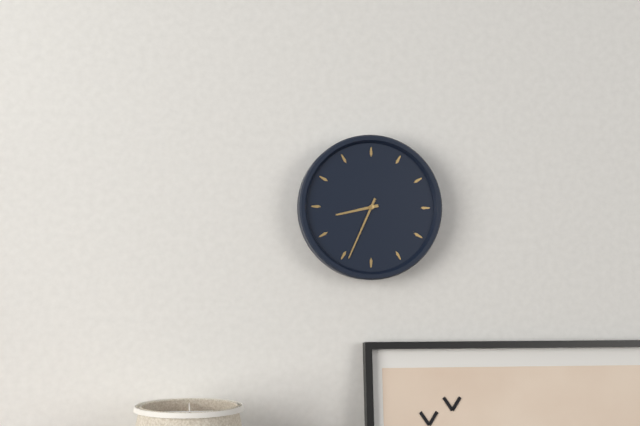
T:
**8:34**
